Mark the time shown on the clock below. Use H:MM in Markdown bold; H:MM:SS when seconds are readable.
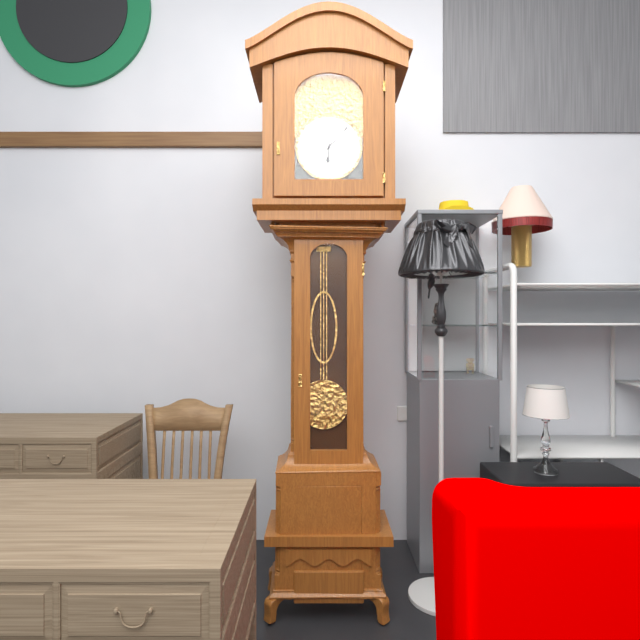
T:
**6:07**
